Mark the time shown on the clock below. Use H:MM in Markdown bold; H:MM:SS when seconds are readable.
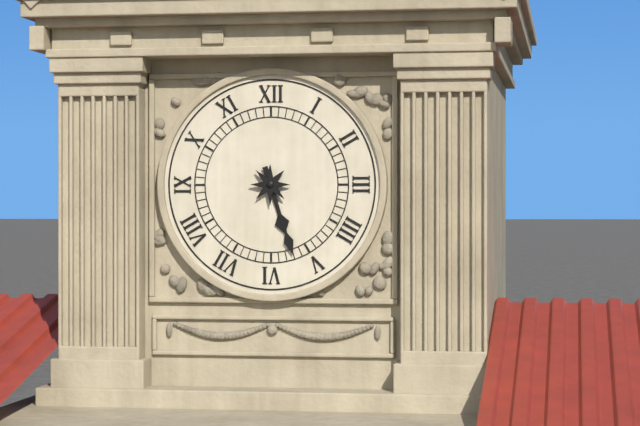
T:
**5:27**
